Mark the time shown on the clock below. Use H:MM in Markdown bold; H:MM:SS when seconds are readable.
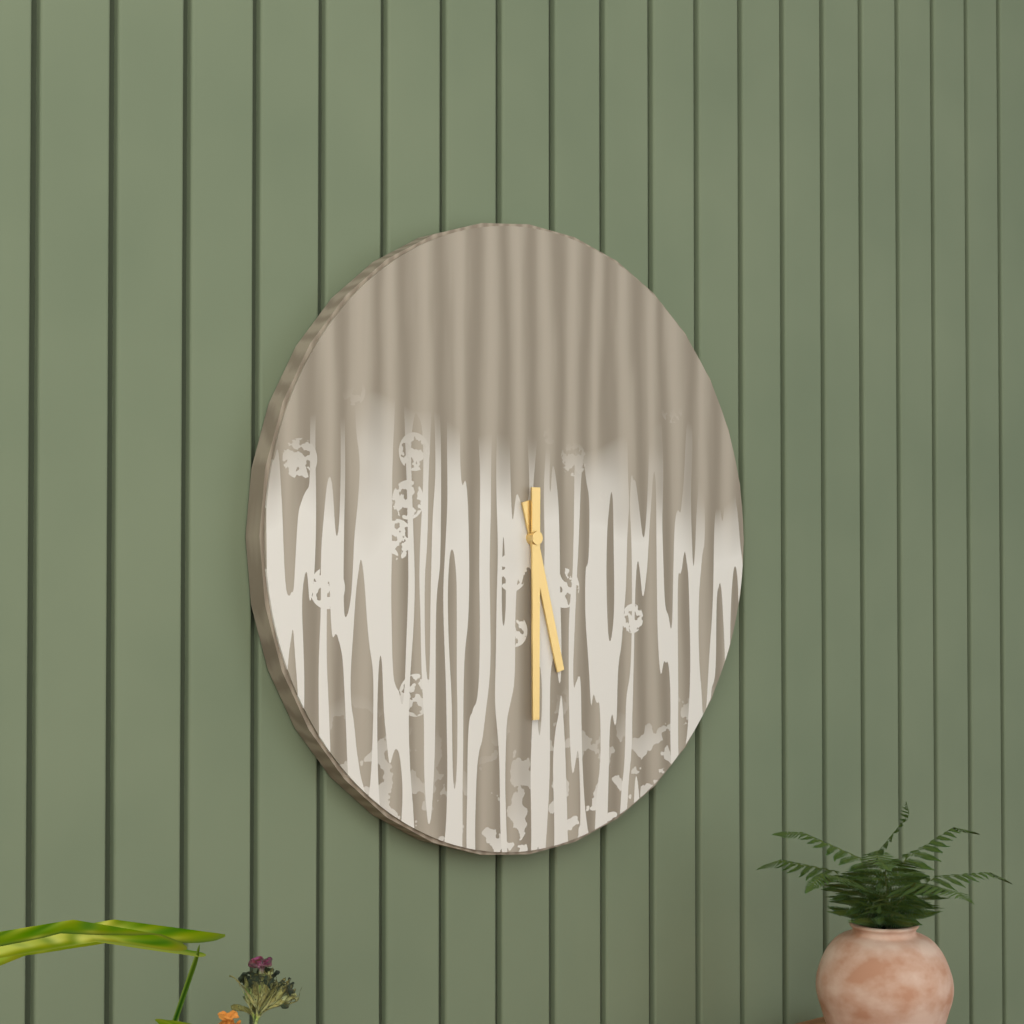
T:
**5:30**
